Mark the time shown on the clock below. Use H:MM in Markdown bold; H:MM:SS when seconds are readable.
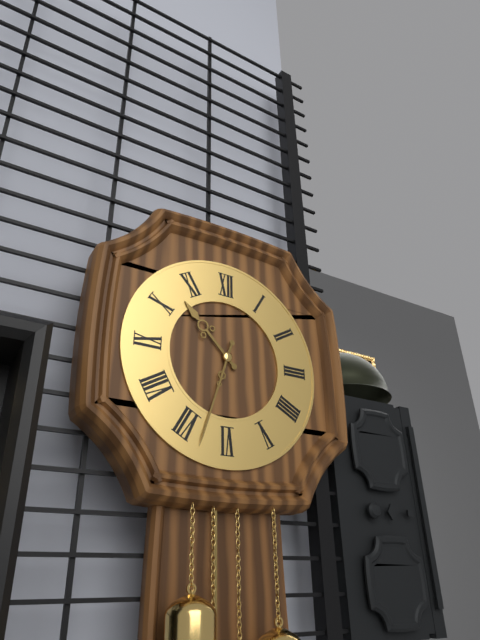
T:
**10:33**
